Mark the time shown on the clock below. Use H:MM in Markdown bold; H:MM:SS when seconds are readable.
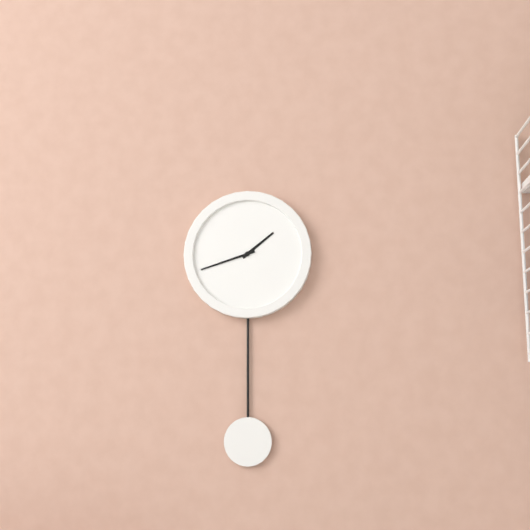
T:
**1:42**
